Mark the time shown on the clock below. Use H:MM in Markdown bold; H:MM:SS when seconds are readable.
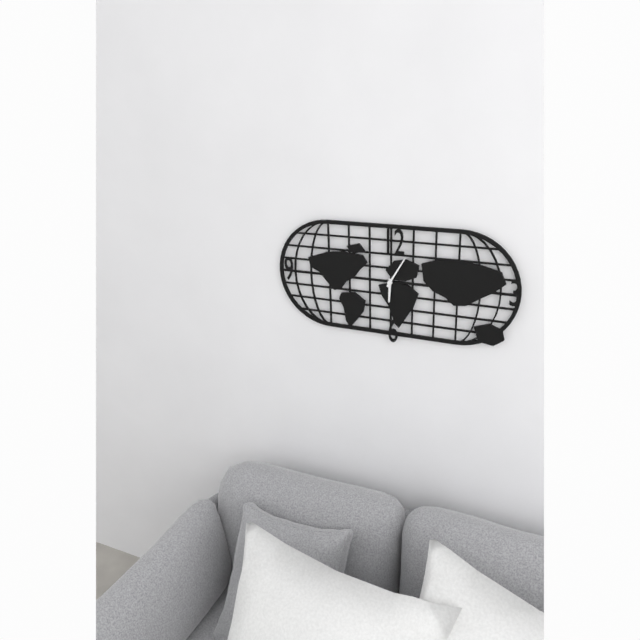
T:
**6:05**
